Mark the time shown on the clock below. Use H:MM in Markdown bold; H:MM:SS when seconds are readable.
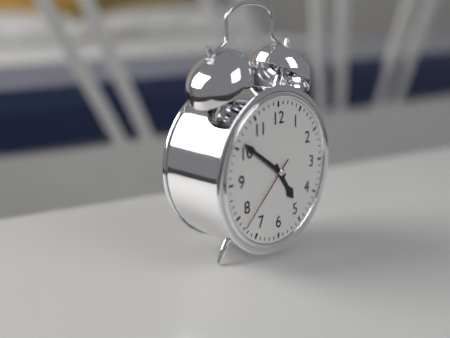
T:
**4:51:38**
